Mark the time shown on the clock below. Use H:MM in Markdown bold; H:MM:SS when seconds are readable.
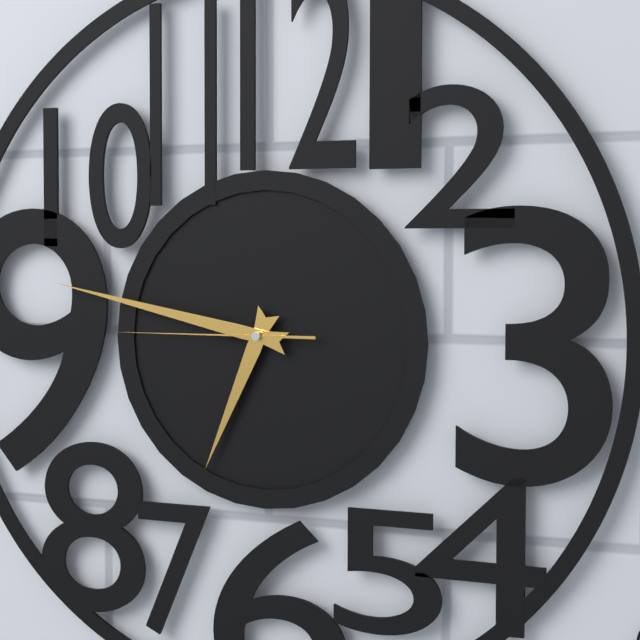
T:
**6:47:45**
